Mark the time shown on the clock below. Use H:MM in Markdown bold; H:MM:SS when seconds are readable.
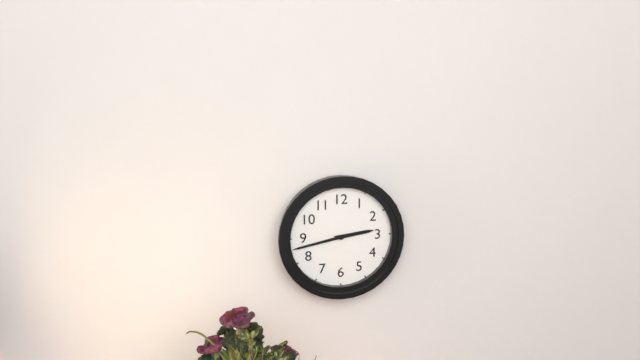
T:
**2:43**
